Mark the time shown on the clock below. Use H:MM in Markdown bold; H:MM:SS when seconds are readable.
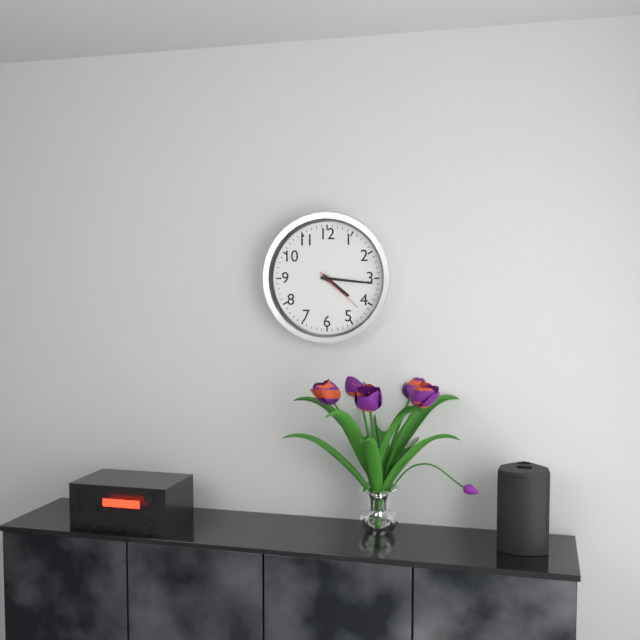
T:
**4:16:22**
